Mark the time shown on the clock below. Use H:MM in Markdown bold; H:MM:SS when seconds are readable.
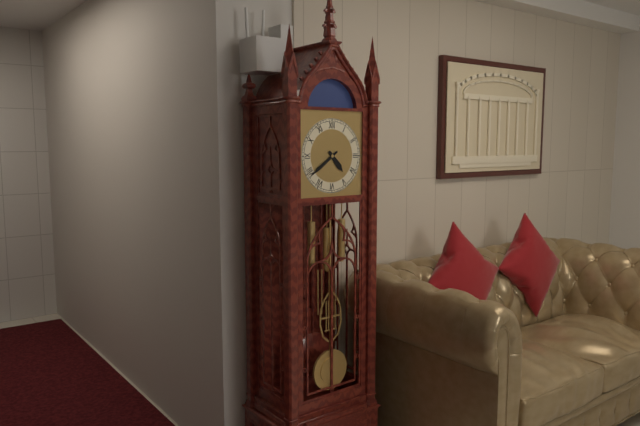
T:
**4:39**
